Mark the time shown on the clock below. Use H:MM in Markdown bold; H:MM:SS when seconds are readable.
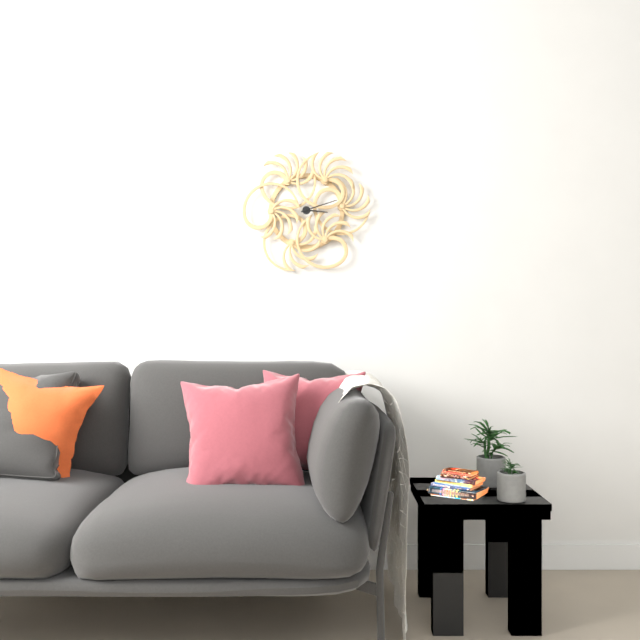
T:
**3:12**
